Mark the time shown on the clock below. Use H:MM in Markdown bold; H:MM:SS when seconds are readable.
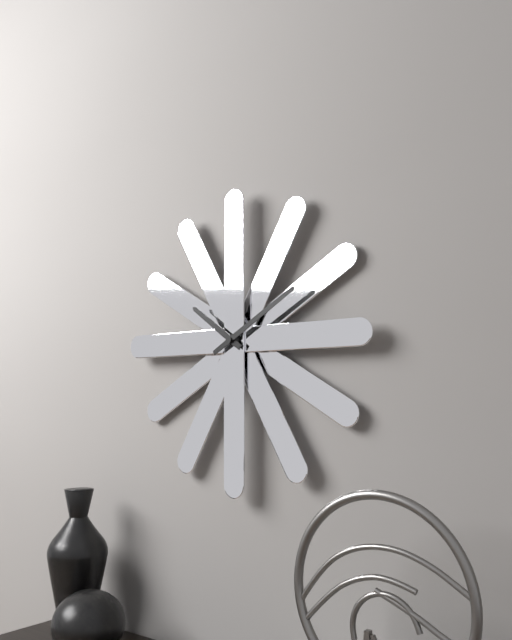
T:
**10:10**
